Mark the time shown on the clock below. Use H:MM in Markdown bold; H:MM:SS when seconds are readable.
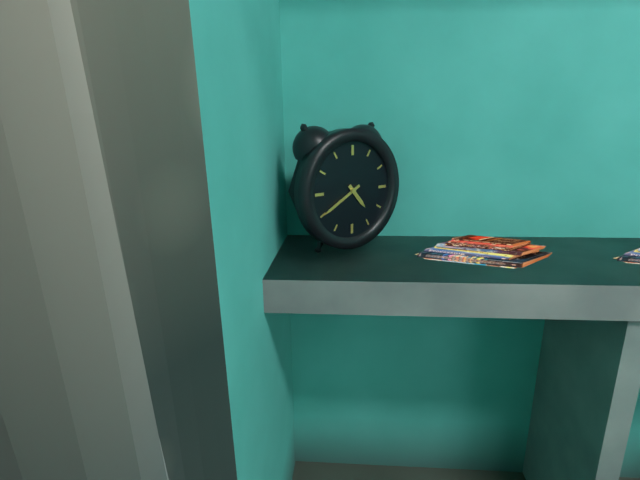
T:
**4:40**
